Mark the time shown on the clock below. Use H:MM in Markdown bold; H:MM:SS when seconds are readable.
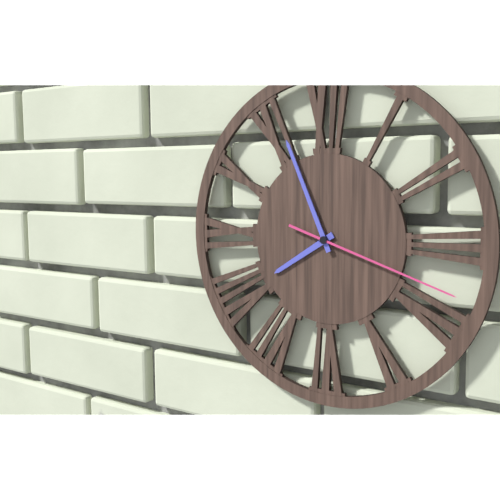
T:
**7:56:18**
